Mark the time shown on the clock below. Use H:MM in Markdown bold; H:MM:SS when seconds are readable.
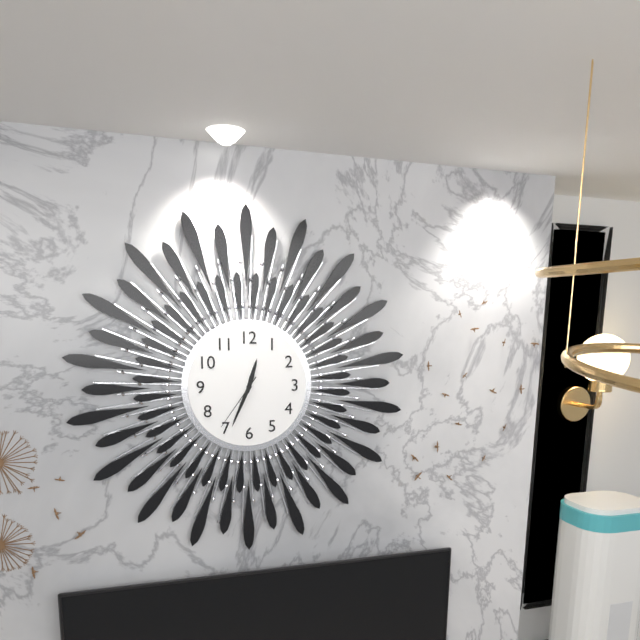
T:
**12:34:36**
